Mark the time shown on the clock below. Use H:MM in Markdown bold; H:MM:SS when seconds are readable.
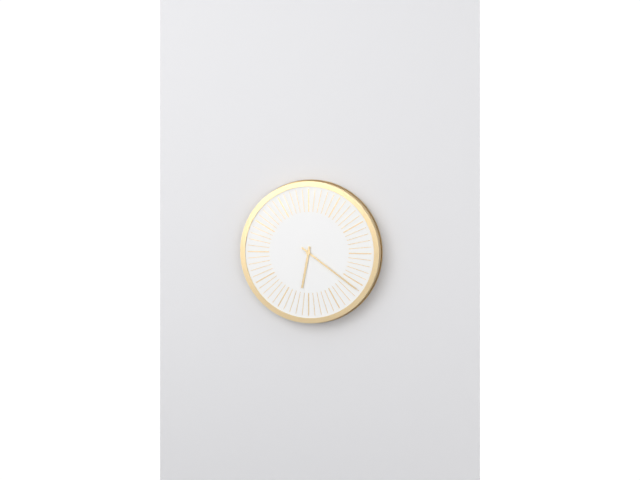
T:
**6:21**
